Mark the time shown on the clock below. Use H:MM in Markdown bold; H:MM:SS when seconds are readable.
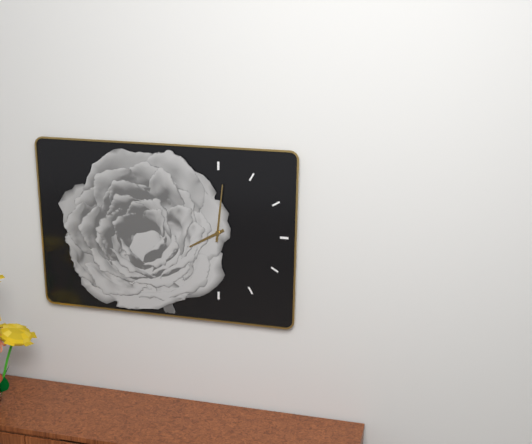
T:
**8:01**
